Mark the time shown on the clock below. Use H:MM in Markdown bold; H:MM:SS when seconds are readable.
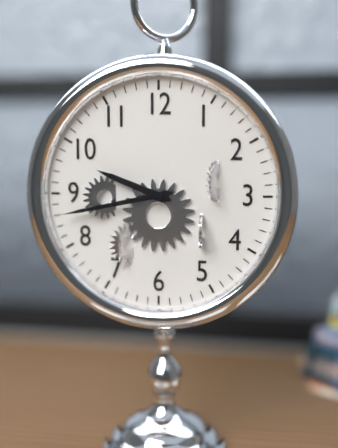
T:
**9:43**
